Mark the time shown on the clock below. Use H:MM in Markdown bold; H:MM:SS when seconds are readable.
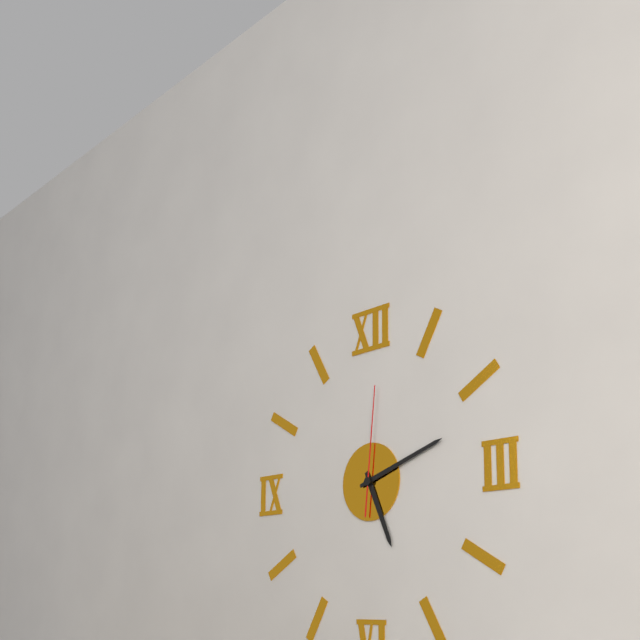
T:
**5:12:01**
